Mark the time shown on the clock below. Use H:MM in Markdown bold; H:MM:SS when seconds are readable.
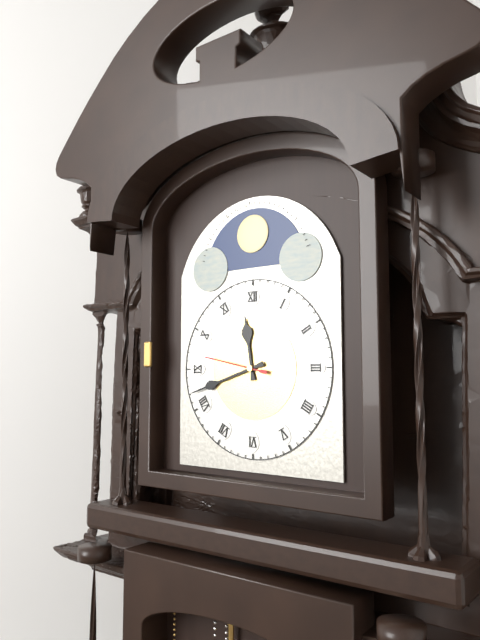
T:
**11:42:47**
